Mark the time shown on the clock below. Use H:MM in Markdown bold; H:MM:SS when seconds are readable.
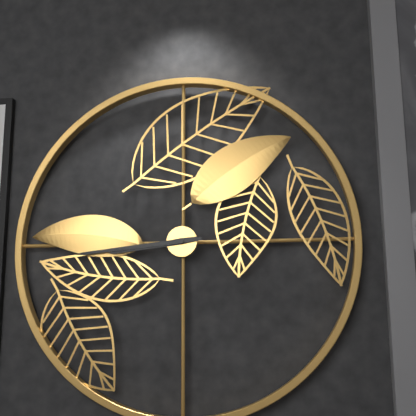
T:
**8:44**
